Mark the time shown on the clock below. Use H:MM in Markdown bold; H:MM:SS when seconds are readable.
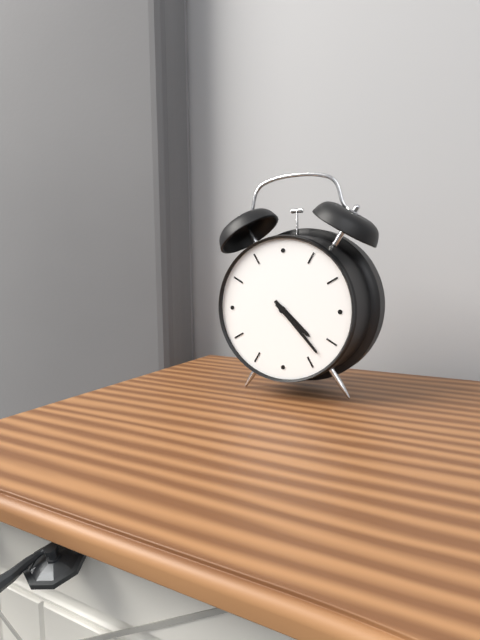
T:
**4:23**
